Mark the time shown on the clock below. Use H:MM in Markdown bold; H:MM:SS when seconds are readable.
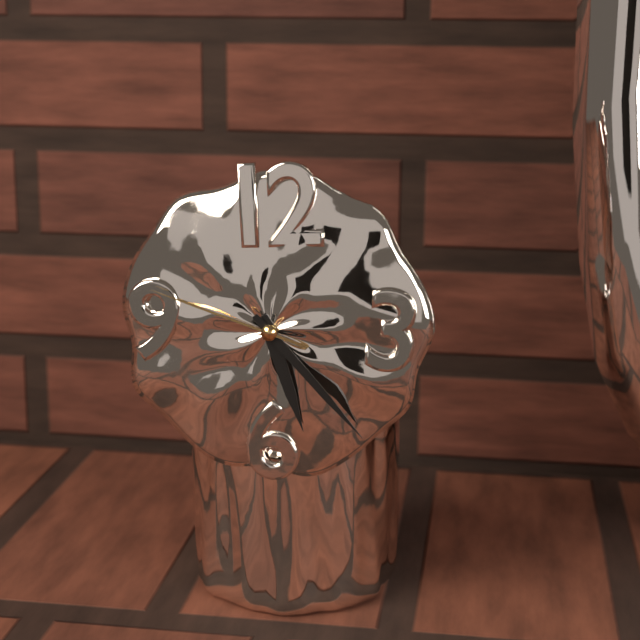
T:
**5:23:48**
